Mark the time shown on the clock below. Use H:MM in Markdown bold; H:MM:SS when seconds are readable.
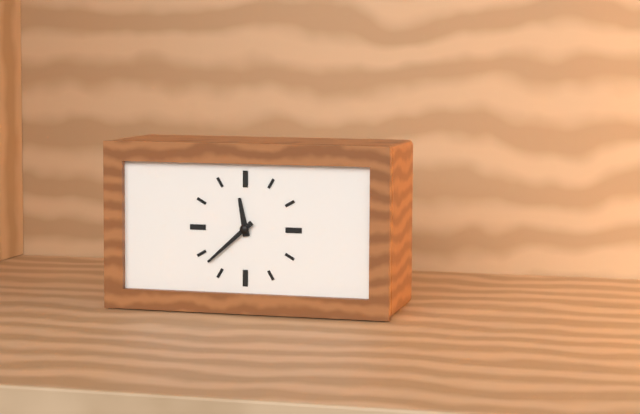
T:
**11:38**
